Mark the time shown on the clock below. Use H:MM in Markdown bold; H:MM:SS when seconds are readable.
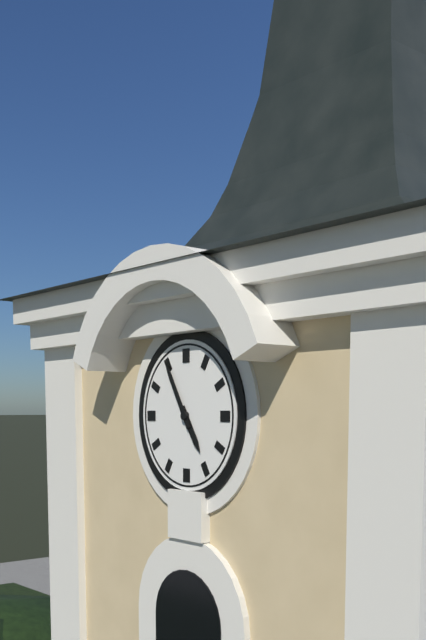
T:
**4:55**
